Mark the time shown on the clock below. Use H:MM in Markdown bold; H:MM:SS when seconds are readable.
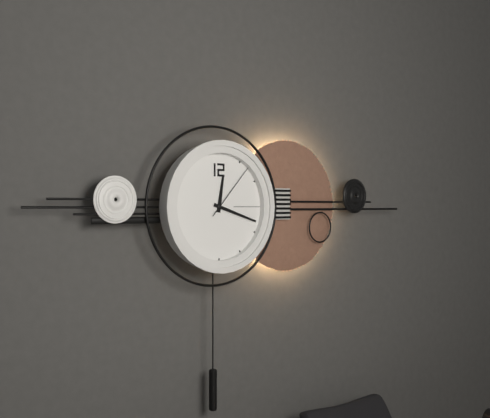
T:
**12:18:07**
